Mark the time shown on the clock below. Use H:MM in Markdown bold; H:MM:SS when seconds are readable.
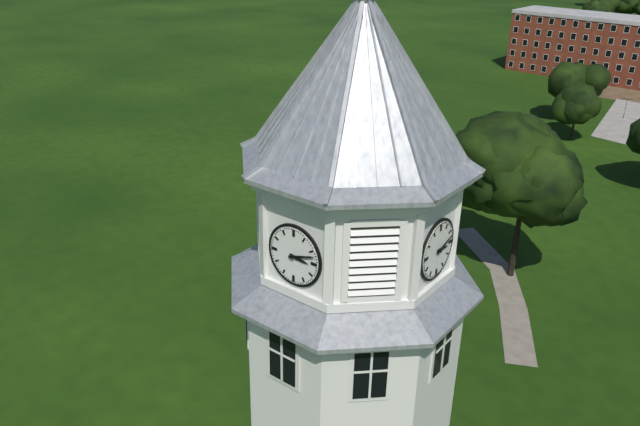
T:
**3:12**
